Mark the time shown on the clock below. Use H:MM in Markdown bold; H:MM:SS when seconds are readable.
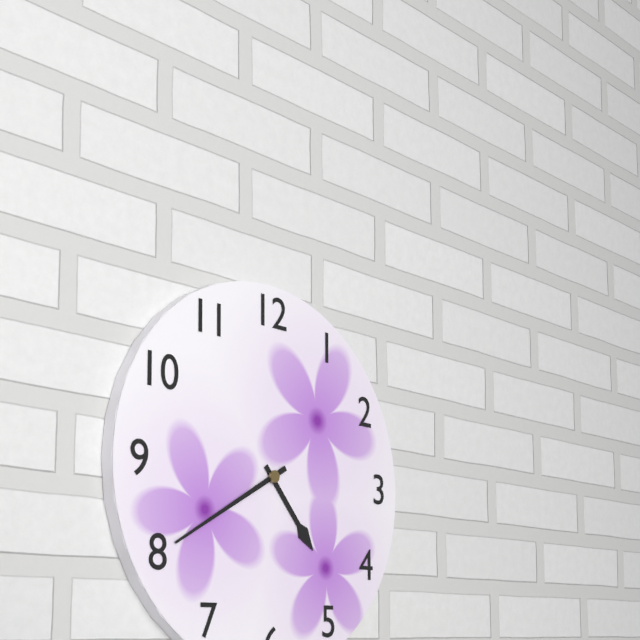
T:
**4:40**
